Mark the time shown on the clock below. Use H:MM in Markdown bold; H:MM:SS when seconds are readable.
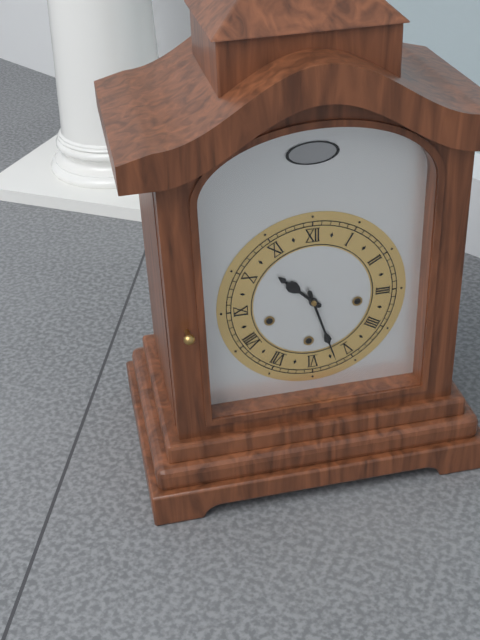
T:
**10:27**
